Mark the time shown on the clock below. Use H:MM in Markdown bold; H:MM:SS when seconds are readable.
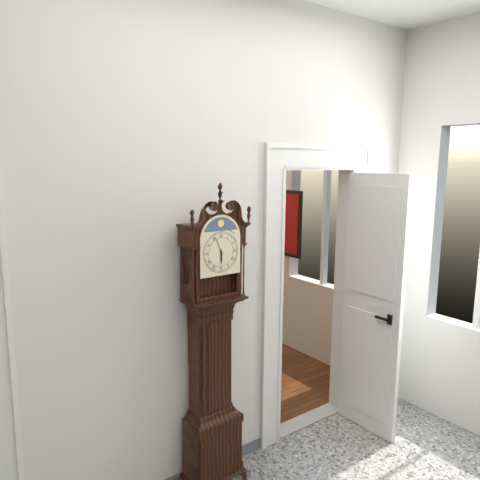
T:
**5:56**
